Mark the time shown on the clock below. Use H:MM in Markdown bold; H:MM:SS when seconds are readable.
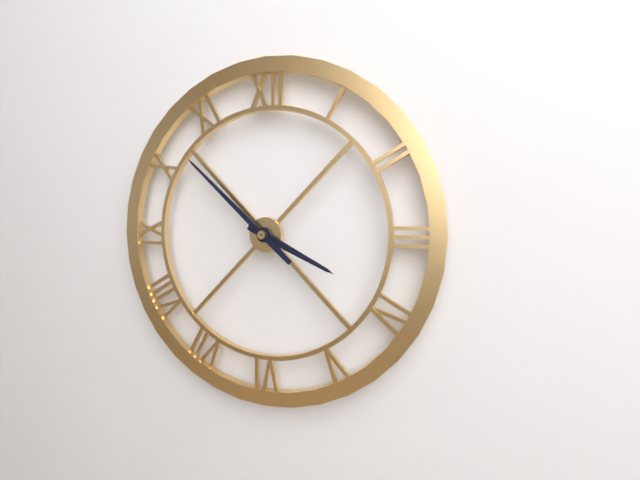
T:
**3:52**
